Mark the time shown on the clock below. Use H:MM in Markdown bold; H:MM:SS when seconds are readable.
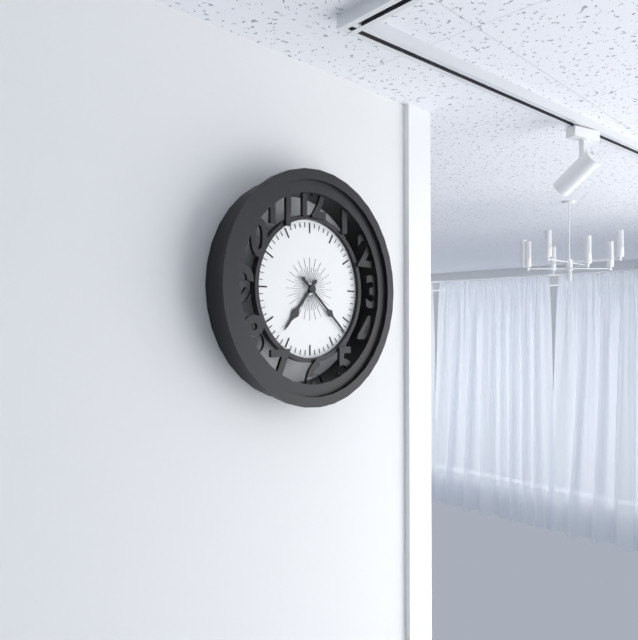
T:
**7:22**
